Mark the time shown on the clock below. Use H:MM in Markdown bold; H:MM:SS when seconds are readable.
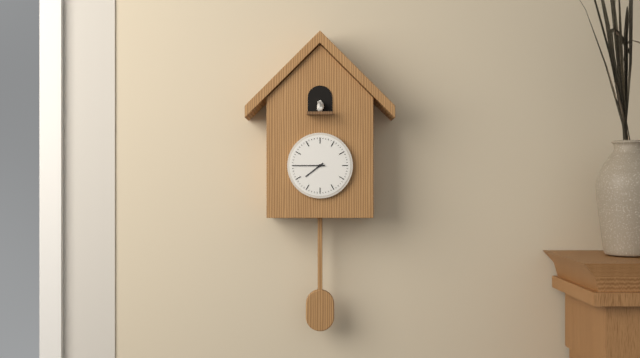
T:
**7:45**
